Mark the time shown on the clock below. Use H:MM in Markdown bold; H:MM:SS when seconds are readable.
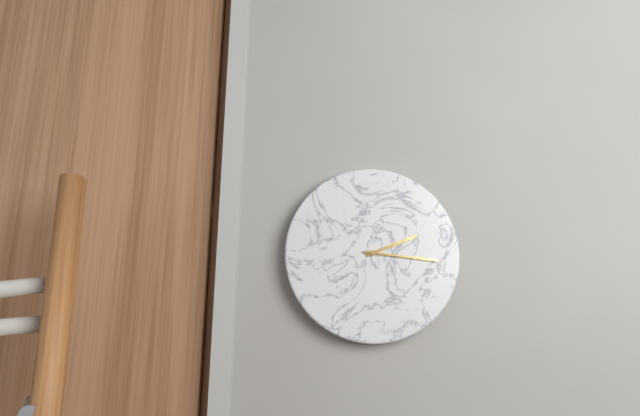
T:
**2:16**
